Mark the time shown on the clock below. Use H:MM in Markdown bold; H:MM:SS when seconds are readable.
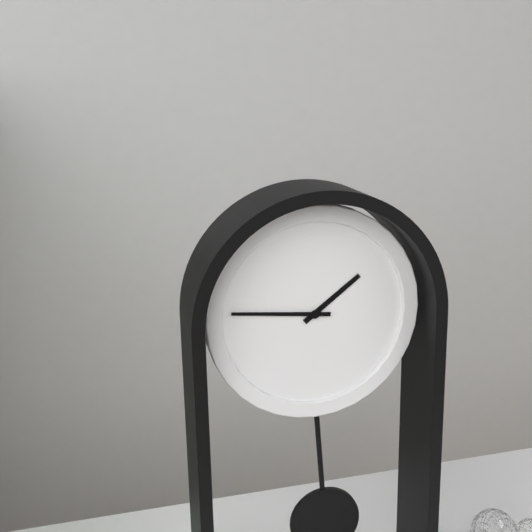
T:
**1:46**
